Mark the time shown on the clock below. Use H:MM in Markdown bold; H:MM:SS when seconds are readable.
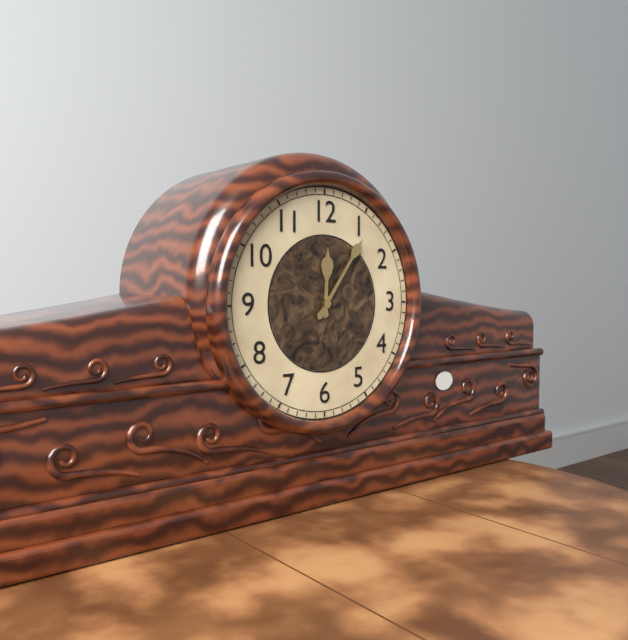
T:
**12:06**
